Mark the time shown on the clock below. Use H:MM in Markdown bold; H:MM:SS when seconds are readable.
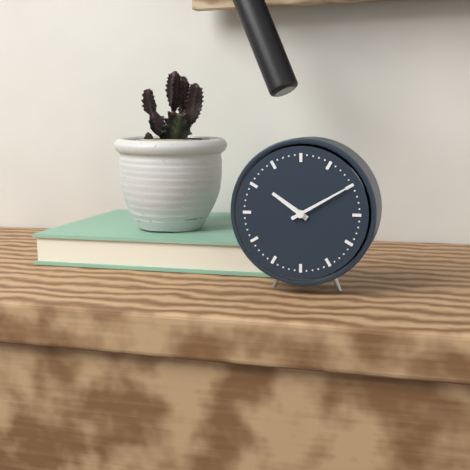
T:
**10:10**
